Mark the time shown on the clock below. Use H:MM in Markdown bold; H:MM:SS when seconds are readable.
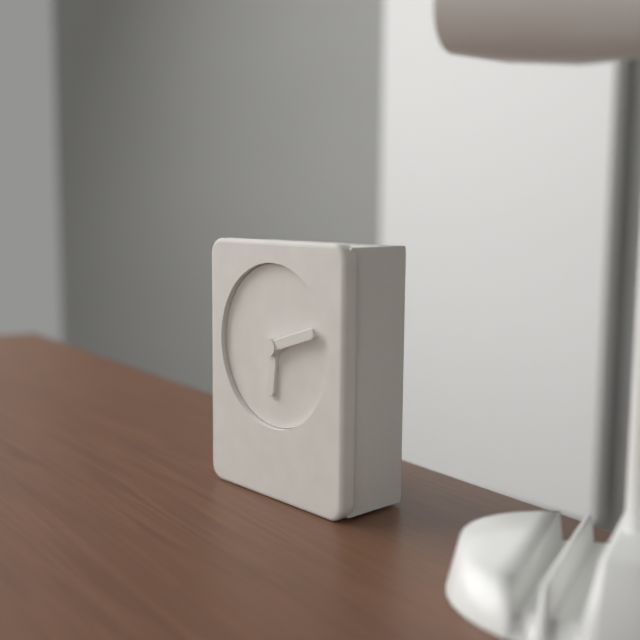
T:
**6:12**
